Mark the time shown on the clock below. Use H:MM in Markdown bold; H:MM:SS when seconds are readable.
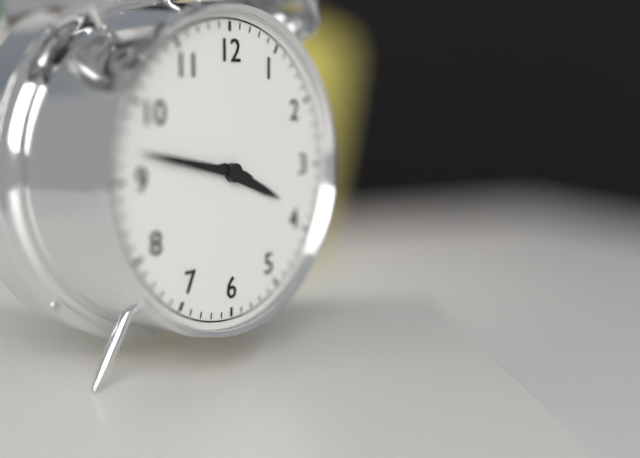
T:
**3:47**
